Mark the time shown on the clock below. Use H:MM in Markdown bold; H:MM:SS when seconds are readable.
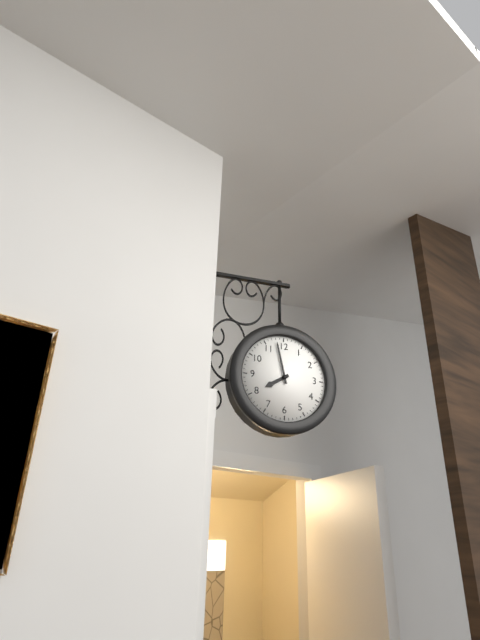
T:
**7:58**
